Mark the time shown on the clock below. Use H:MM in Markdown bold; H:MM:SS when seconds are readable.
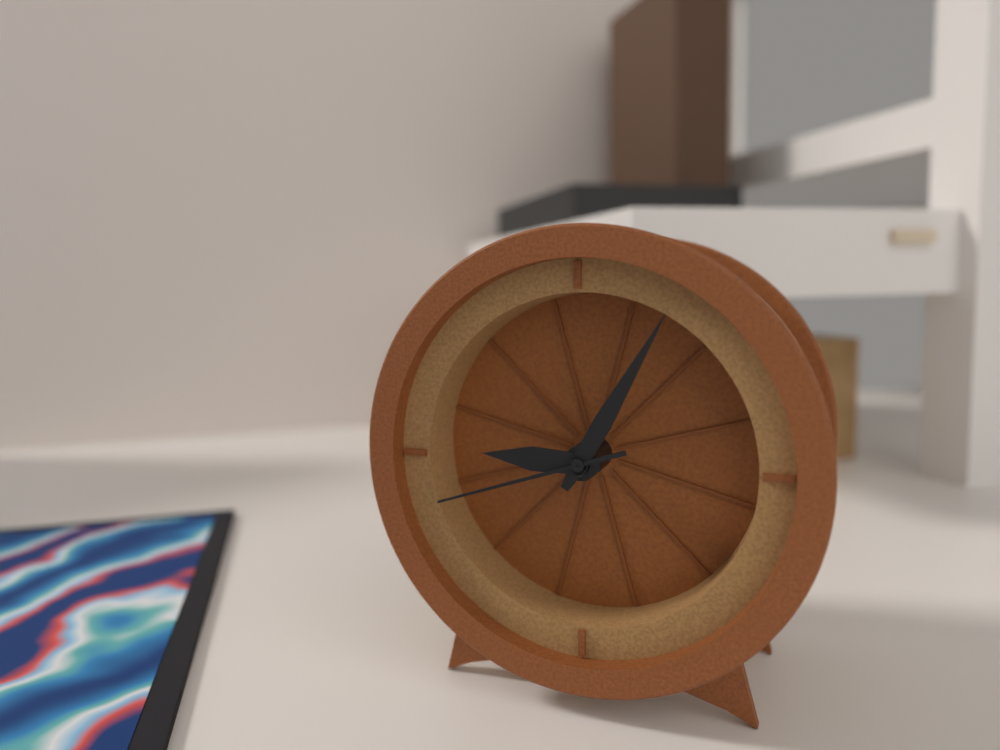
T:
**9:05:42**
